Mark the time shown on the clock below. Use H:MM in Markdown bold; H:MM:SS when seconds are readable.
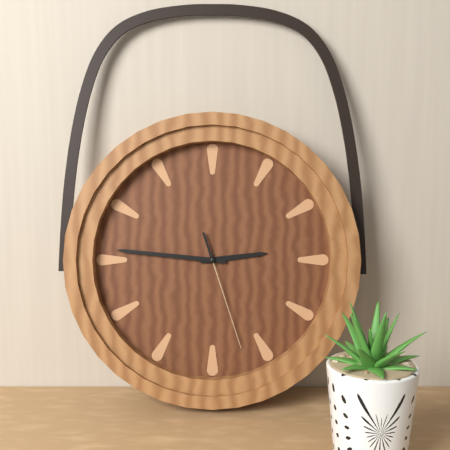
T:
**2:46:27**
